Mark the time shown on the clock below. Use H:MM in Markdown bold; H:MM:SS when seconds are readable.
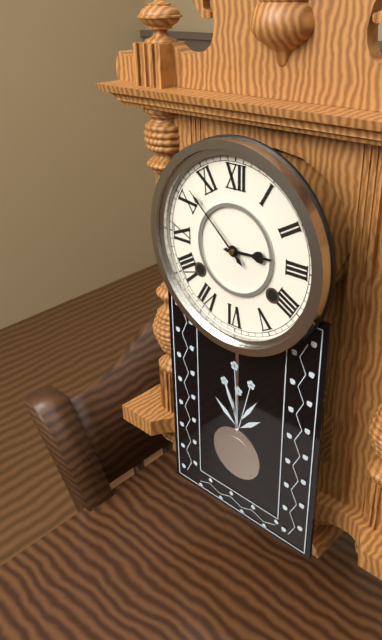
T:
**2:52**
